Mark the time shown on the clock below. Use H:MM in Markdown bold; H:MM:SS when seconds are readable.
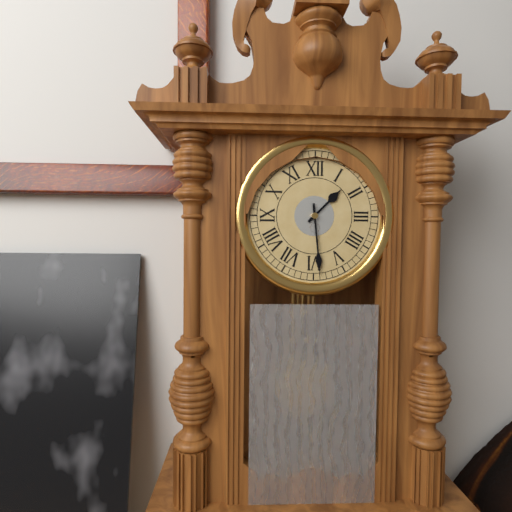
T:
**1:29**
